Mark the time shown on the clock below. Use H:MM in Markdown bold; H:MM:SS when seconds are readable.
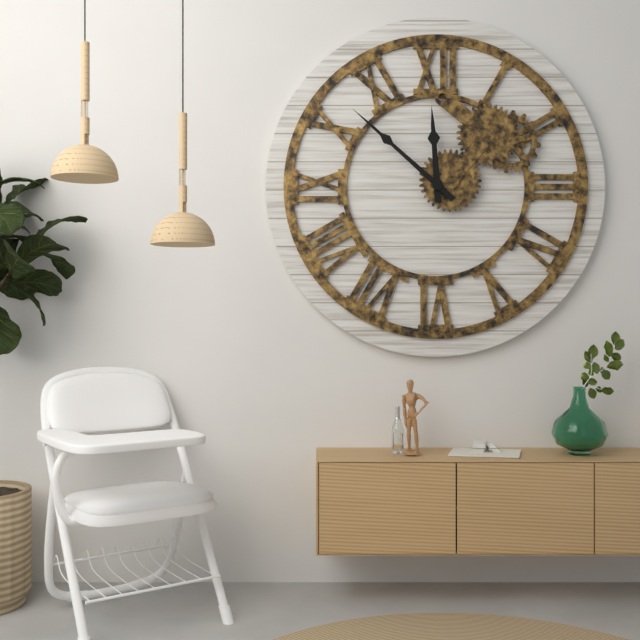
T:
**11:52**
